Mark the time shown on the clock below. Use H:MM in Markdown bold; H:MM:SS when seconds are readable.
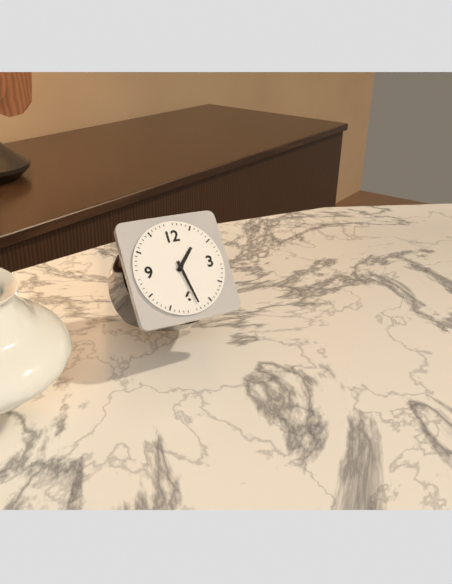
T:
**1:28**
